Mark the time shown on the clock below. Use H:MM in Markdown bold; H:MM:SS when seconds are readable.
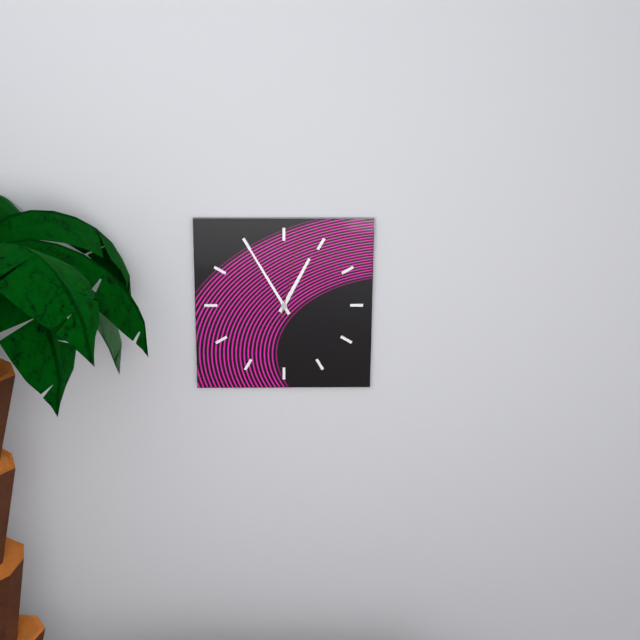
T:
**12:55:02**
